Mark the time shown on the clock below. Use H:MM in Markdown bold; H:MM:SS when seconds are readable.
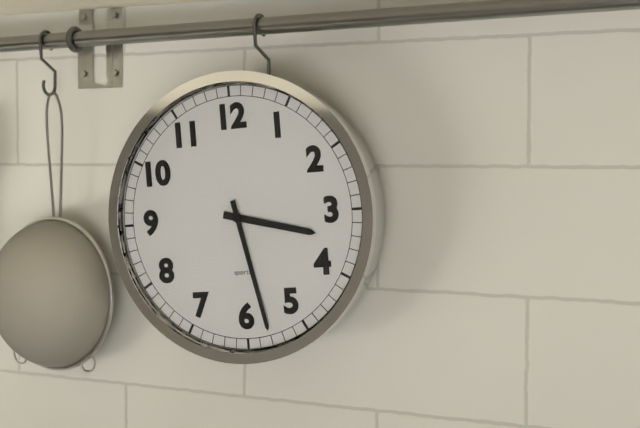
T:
**3:28**
